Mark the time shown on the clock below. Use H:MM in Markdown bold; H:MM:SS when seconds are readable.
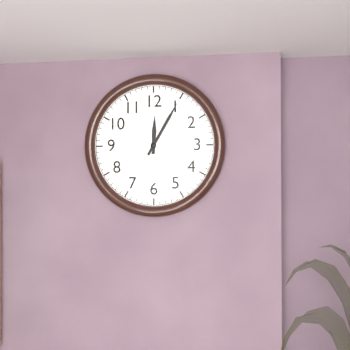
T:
**12:05**
